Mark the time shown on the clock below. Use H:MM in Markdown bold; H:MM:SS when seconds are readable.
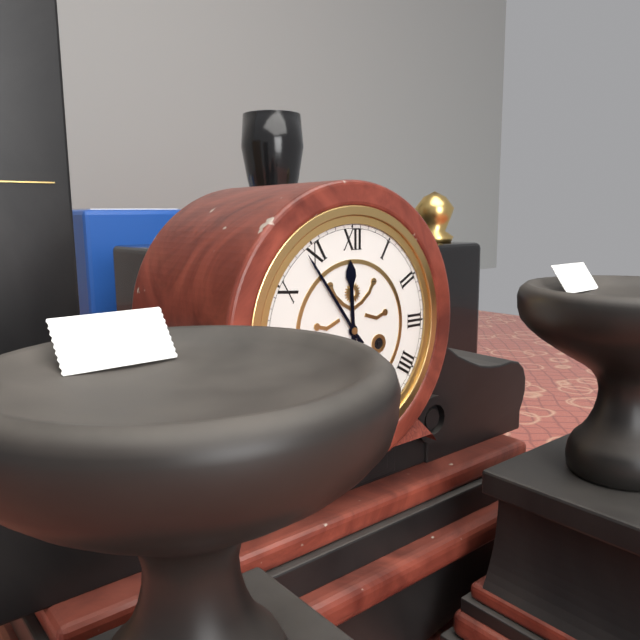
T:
**11:54**
